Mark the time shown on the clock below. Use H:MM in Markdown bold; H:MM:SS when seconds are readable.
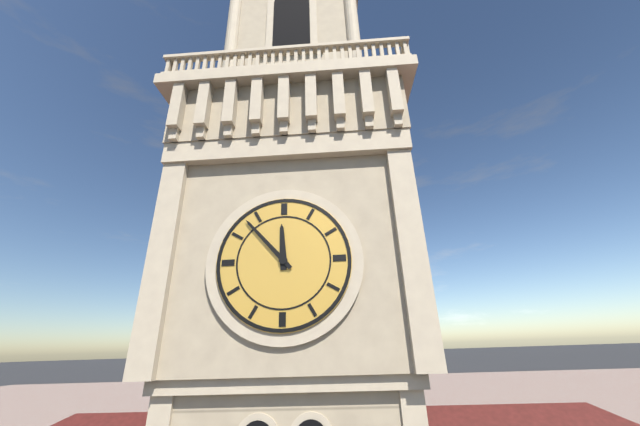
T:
**11:53**
